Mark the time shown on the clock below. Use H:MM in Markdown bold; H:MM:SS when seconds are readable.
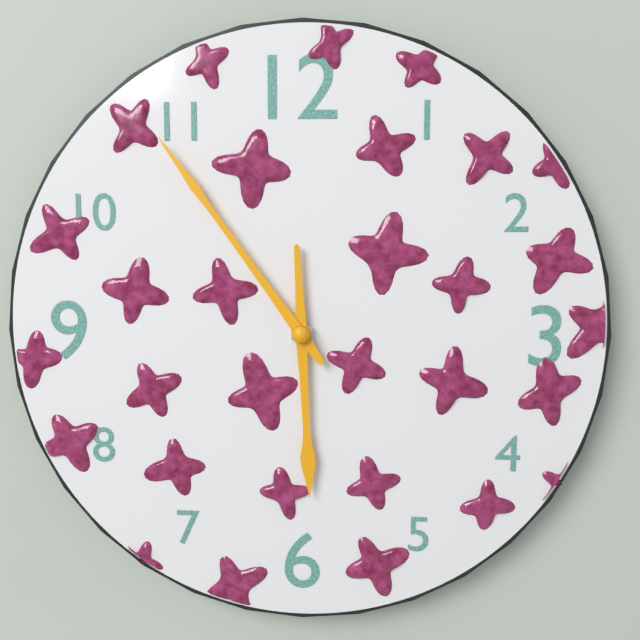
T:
**5:54**
